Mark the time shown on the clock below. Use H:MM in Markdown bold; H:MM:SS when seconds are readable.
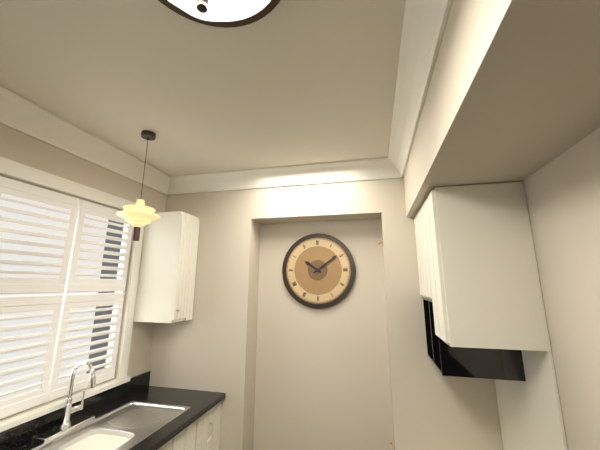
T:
**10:09**
